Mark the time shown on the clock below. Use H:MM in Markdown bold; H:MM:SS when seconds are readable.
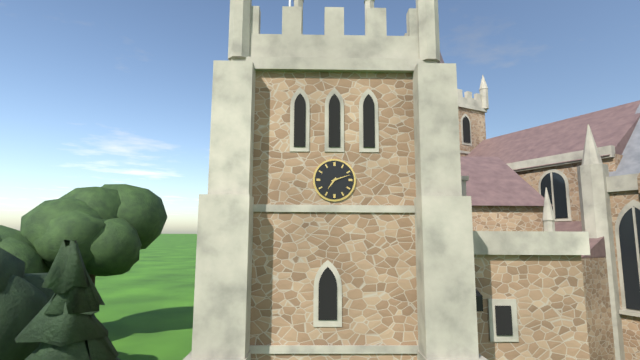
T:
**7:12**
